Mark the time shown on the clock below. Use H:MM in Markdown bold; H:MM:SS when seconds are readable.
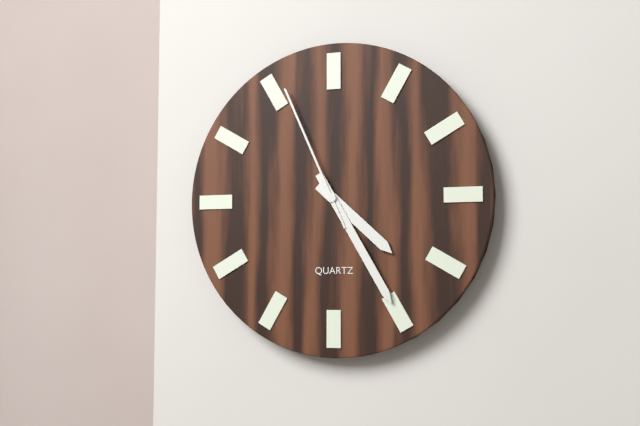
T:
**4:25:56**
